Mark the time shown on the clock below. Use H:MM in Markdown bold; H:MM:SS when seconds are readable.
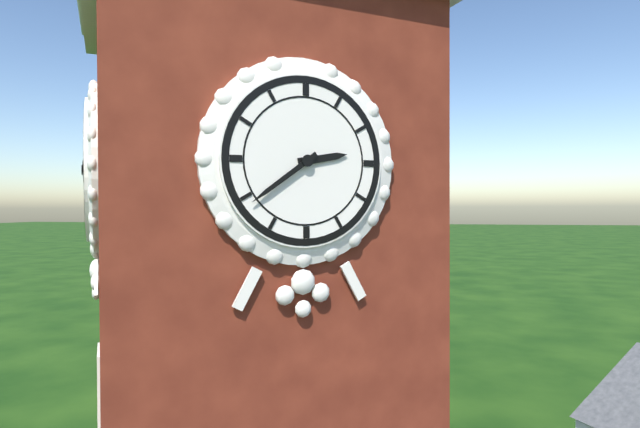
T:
**2:39**
